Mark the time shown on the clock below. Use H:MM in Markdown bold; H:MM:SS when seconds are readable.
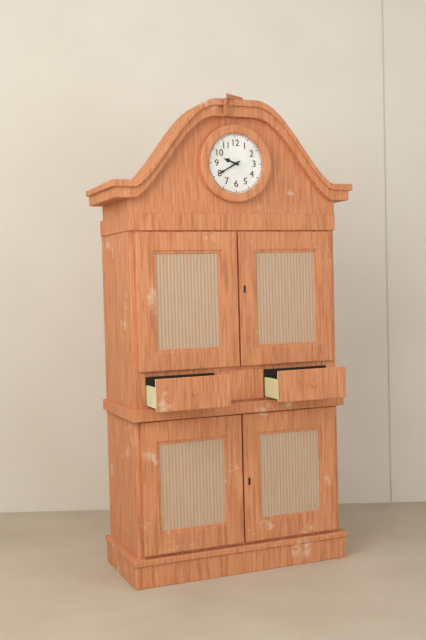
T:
**9:40**
